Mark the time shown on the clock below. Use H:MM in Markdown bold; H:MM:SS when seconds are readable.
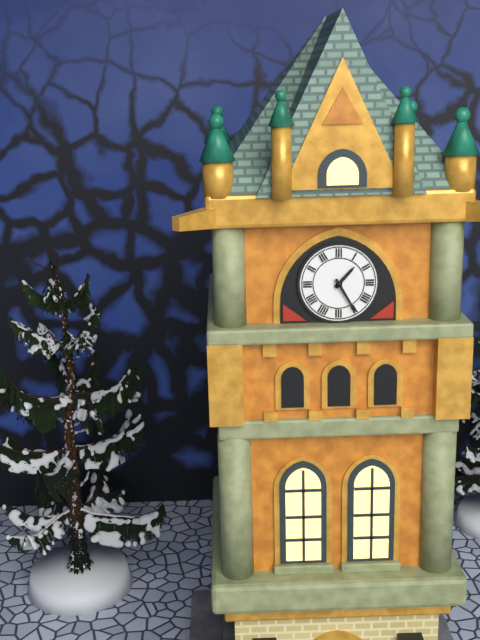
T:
**1:25**
